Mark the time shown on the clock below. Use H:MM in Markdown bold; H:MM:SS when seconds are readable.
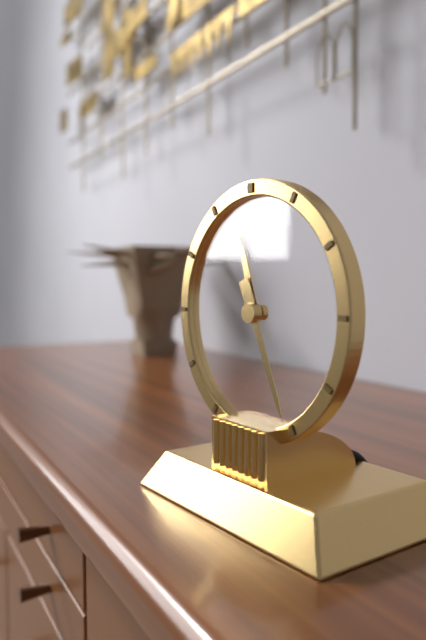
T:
**11:26**
